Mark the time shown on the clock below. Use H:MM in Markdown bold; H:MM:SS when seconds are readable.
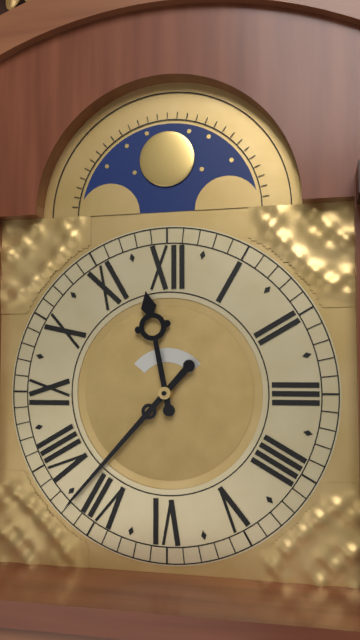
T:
**11:37**
